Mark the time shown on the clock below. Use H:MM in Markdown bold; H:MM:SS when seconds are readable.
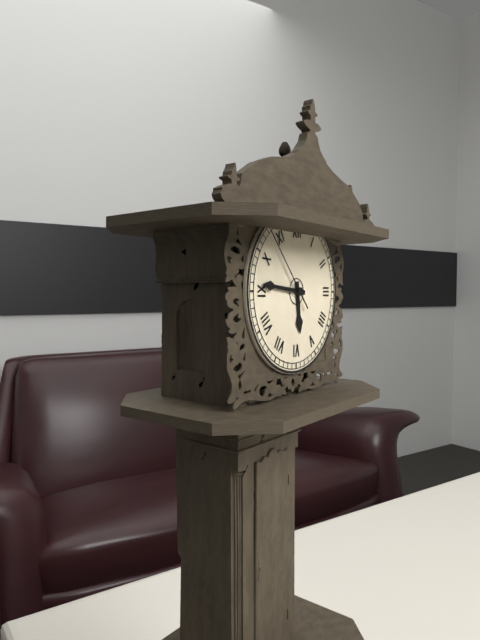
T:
**5:46:53**
